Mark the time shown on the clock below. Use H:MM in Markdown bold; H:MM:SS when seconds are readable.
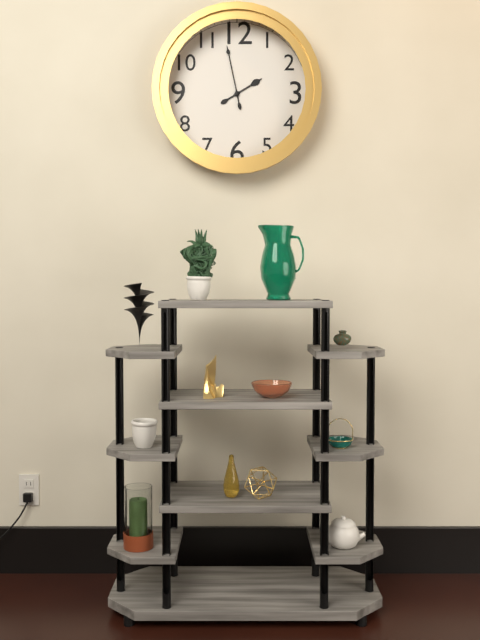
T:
**1:58**
